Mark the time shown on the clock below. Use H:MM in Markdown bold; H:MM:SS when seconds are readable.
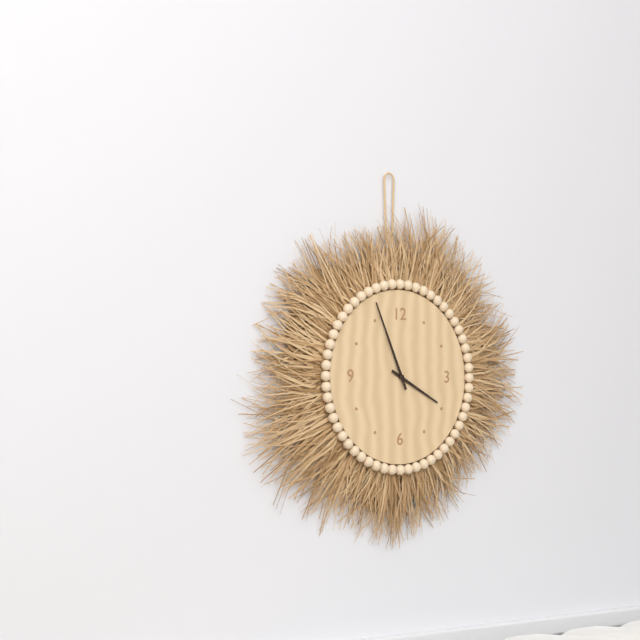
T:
**3:56**
